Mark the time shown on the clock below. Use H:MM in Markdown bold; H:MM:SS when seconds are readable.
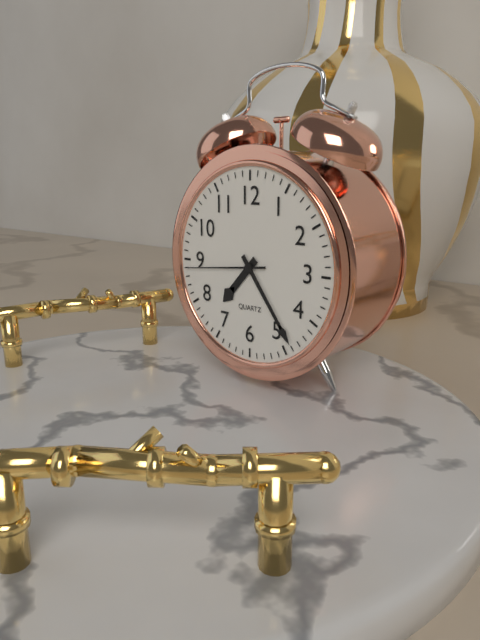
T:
**7:24:44**
